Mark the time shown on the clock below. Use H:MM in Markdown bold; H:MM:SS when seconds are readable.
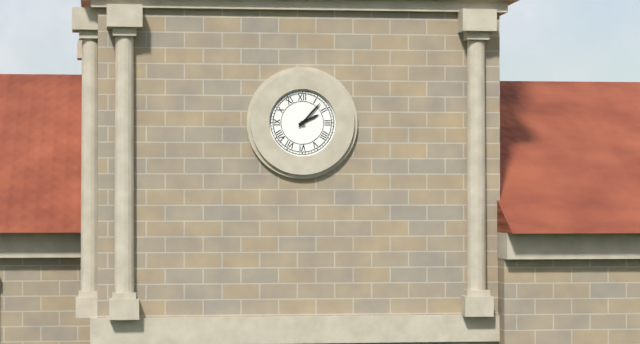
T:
**2:07**
